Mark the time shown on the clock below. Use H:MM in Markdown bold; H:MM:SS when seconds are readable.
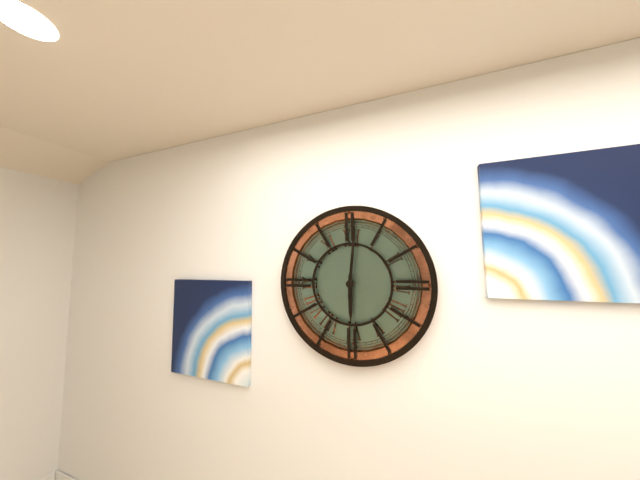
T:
**6:01**
